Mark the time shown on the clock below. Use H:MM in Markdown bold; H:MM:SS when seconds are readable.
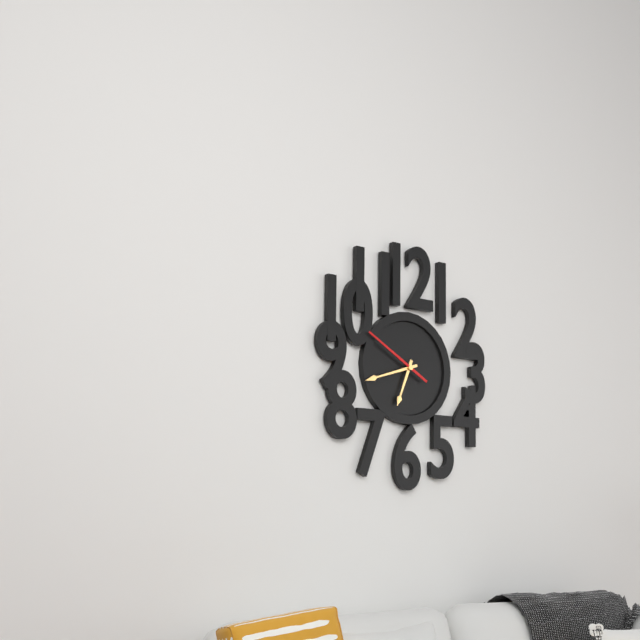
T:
**6:42:50**
